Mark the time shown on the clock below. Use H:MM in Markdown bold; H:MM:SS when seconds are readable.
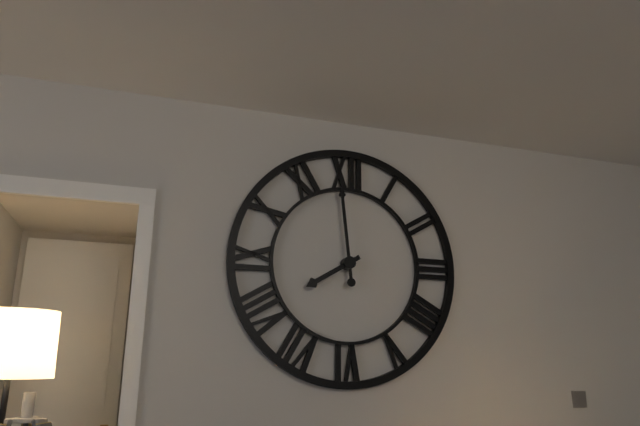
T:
**7:59**
